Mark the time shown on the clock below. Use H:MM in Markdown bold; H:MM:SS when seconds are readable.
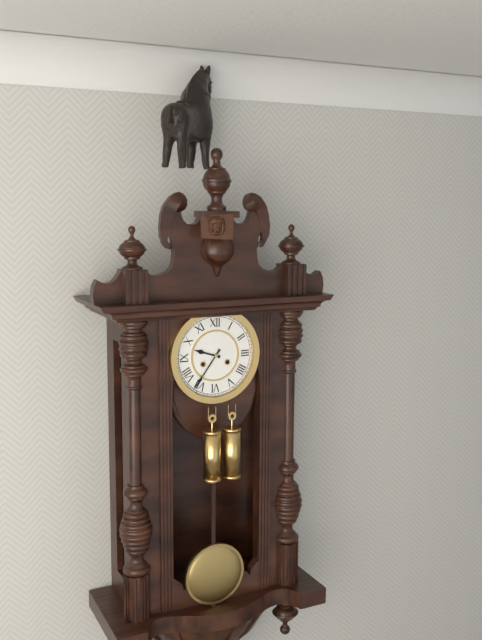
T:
**9:36**
